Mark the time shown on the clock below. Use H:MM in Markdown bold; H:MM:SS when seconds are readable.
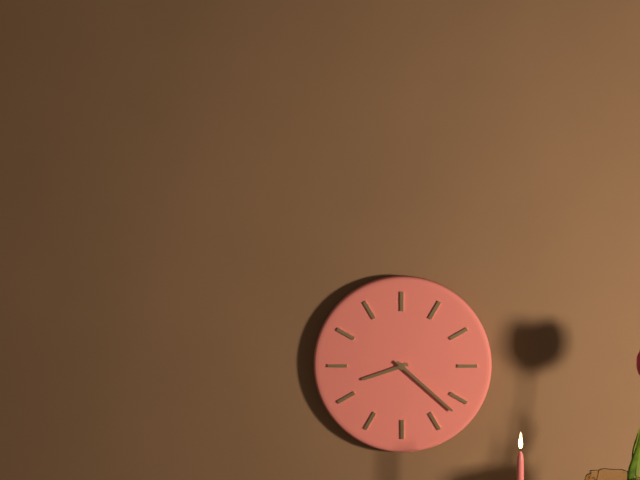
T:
**8:22**
